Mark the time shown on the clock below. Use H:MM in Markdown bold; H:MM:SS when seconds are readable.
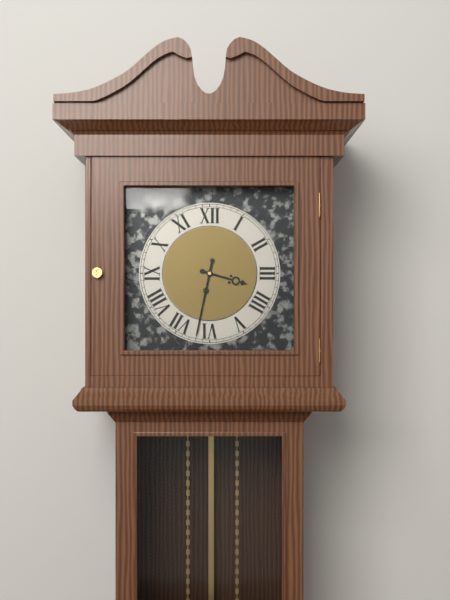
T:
**3:32**
